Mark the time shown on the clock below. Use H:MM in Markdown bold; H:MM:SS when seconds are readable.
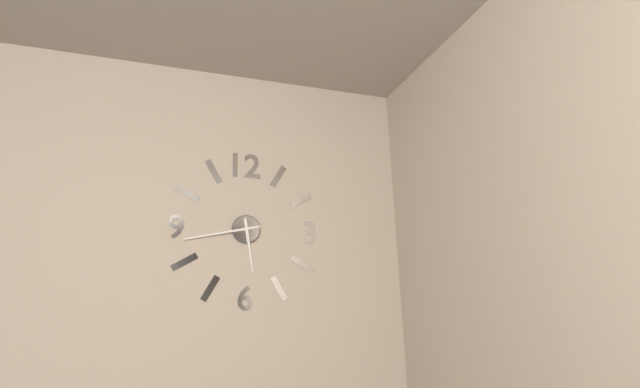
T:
**5:43**
